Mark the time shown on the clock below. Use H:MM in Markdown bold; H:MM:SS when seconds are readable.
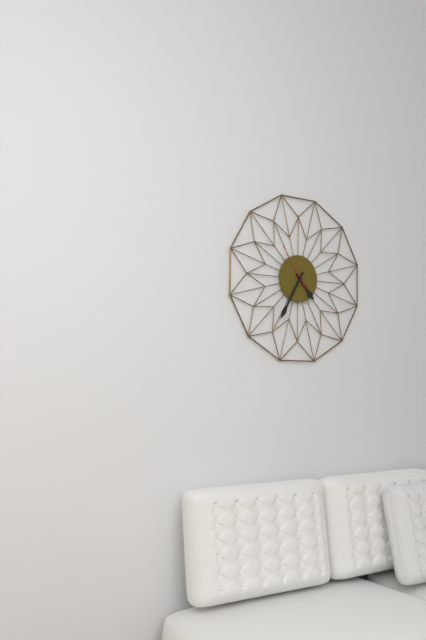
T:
**4:35**
